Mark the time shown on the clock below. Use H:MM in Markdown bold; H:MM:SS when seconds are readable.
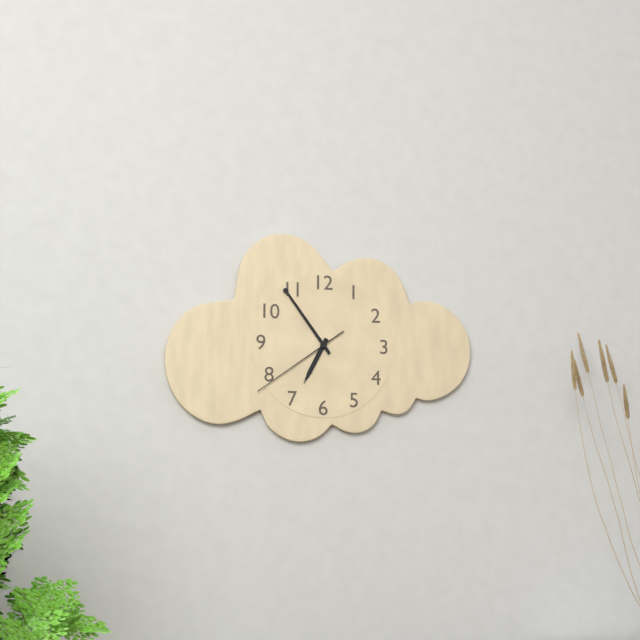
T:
**6:54:39**
